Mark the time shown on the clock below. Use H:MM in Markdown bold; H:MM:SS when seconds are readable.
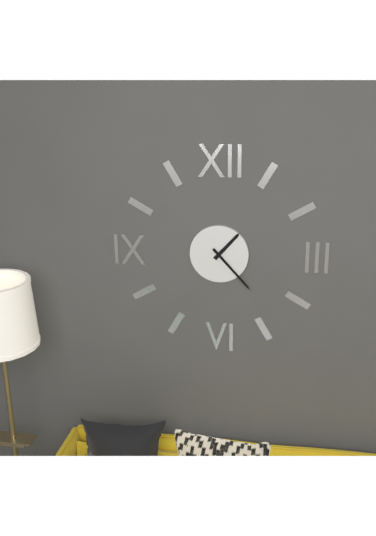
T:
**1:23**
